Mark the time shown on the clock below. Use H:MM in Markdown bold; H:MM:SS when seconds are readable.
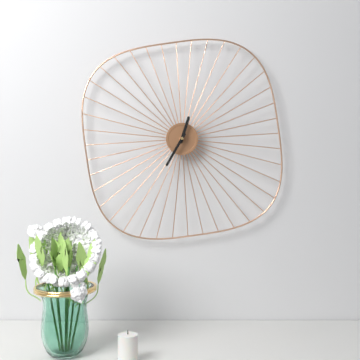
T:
**12:35**
